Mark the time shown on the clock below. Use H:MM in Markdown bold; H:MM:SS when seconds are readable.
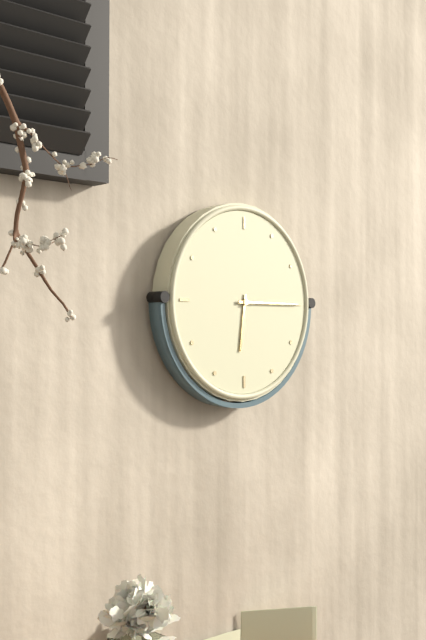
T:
**6:15**
